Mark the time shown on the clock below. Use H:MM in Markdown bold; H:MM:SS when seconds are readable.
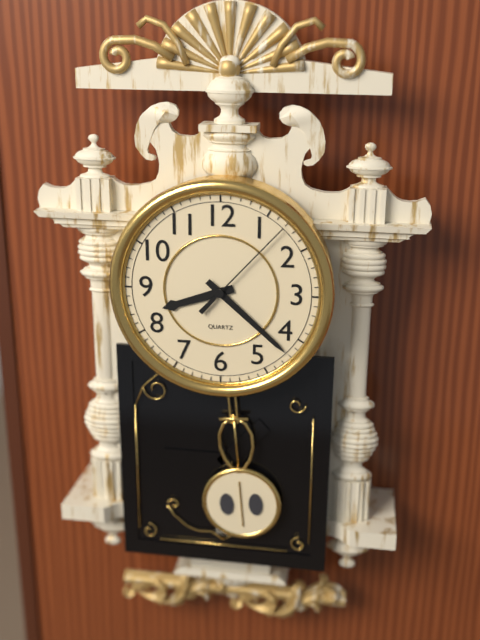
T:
**8:22:07**
